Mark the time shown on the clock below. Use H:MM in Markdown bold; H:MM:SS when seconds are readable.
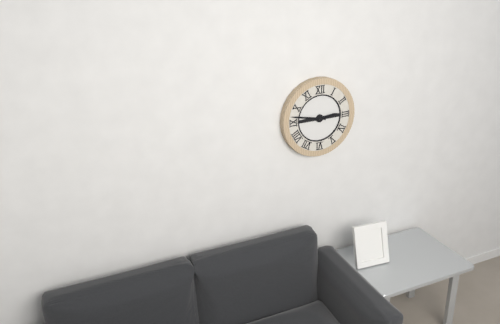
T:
**2:47**
